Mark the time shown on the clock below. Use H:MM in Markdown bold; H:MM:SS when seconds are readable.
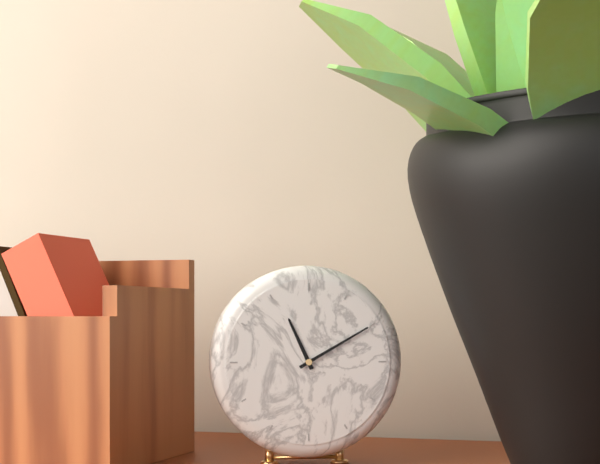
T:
**11:10**
